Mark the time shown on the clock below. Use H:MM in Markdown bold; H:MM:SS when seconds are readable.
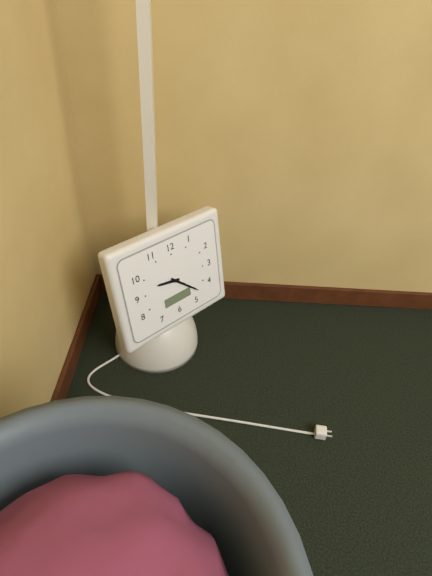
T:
**9:22**
